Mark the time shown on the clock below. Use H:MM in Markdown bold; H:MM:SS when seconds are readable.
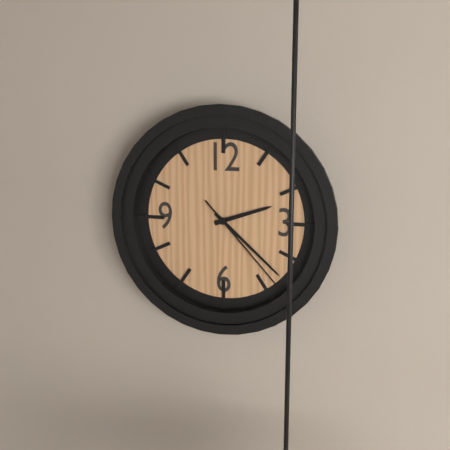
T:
**2:22:23**
